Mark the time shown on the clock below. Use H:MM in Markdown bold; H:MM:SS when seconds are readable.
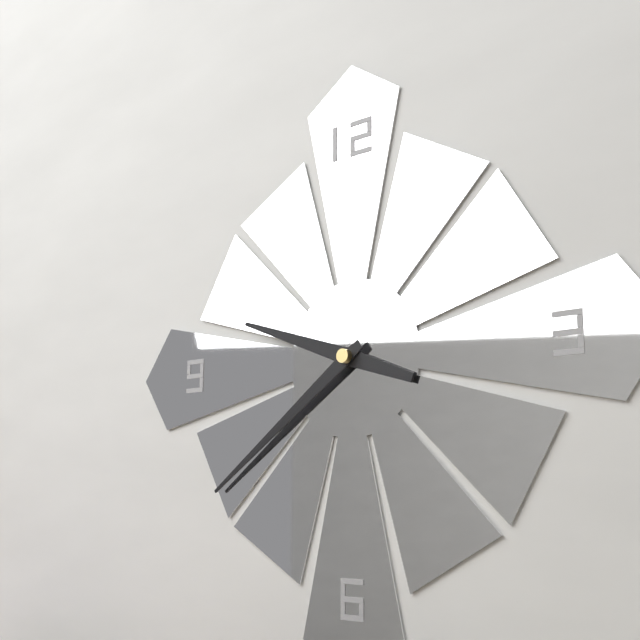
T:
**9:39**
